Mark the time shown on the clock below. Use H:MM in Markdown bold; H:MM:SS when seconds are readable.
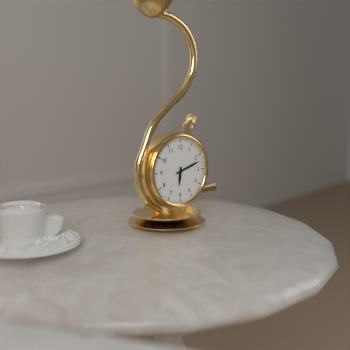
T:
**6:12**
